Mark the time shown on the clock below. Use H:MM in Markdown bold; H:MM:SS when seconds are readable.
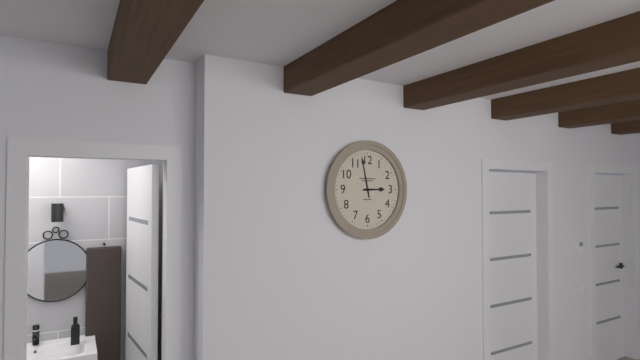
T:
**2:58**
